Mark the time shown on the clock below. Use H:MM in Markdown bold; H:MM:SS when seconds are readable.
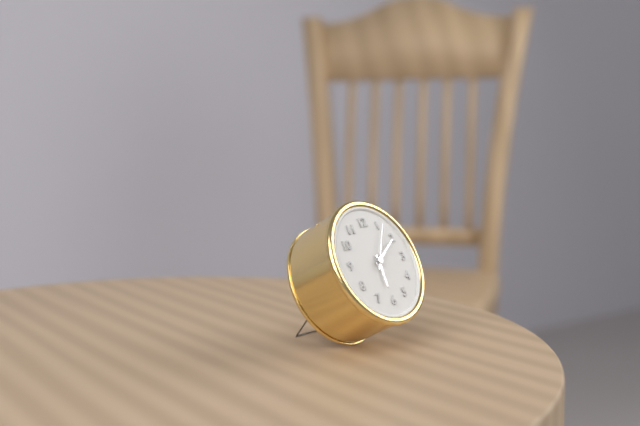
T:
**6:10**
